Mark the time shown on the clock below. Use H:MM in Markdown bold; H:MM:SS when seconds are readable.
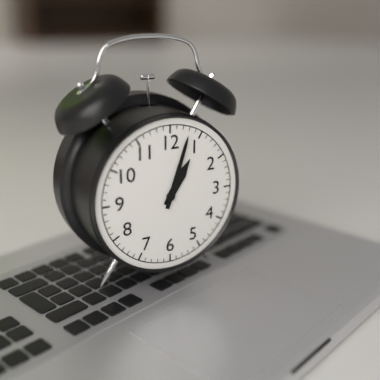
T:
**1:03**
